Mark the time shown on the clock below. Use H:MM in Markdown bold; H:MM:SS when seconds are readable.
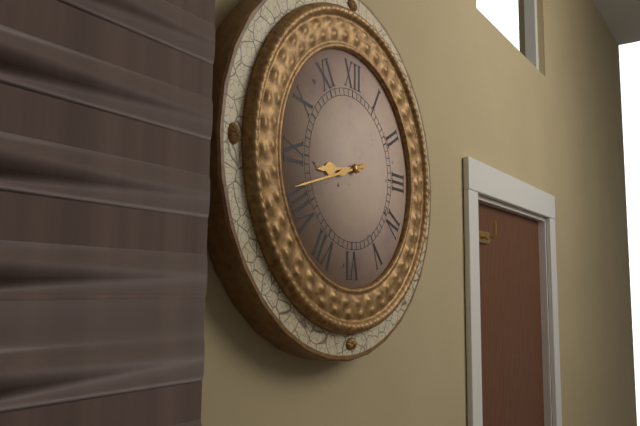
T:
**8:42**
